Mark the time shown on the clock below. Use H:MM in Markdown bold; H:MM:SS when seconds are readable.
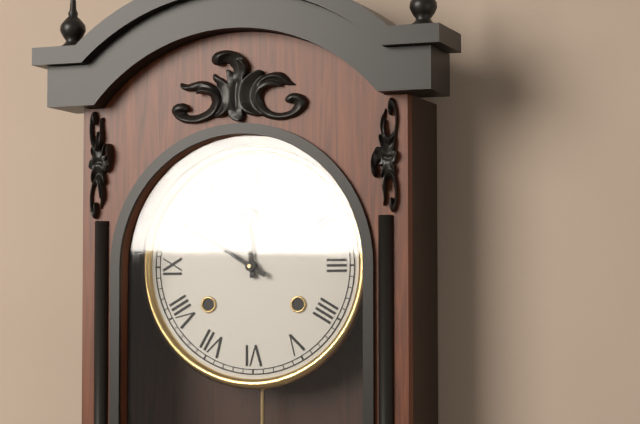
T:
**11:50**
